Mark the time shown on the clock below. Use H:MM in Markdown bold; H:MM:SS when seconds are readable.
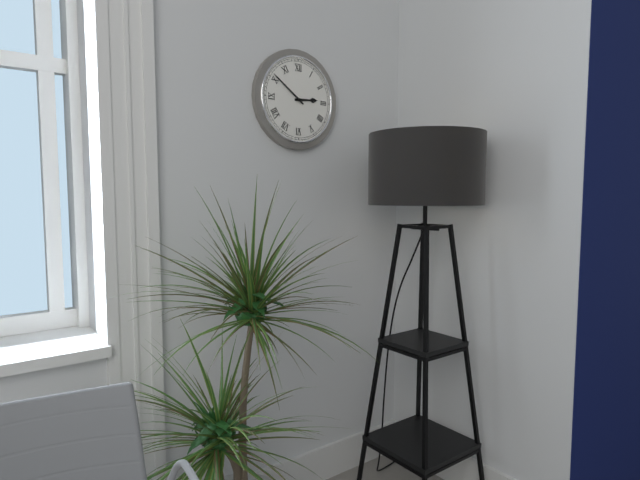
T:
**2:51**
